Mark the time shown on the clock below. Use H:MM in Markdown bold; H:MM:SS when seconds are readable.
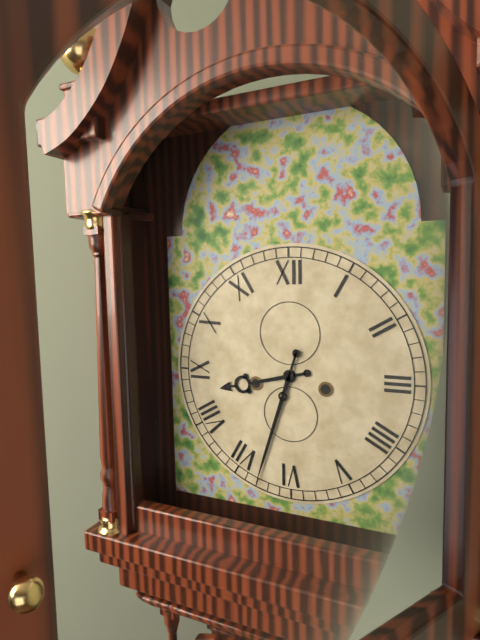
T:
**8:33**
